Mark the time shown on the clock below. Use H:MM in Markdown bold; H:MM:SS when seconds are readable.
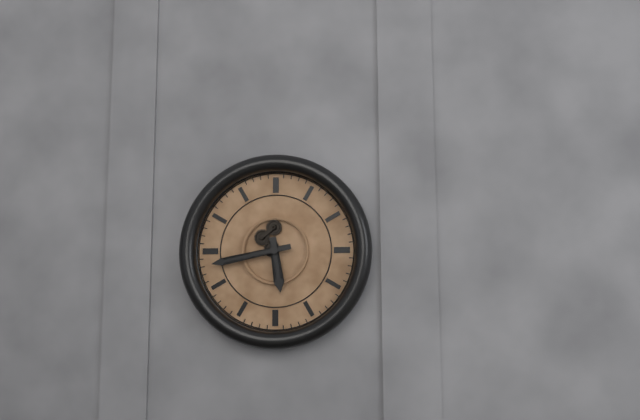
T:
**5:43**
